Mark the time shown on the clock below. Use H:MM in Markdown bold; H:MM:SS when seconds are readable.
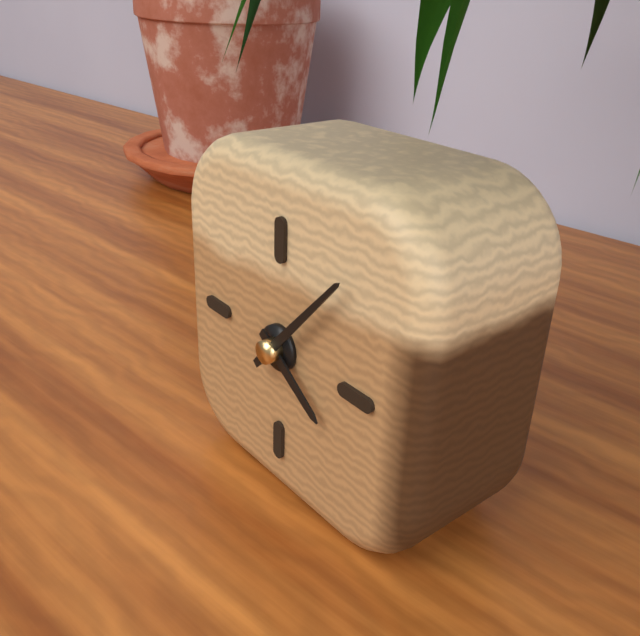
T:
**4:07**
